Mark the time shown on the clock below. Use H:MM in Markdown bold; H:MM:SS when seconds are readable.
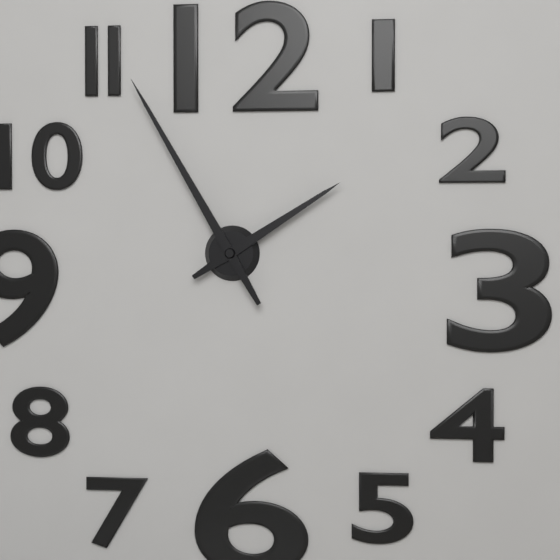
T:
**1:55**
